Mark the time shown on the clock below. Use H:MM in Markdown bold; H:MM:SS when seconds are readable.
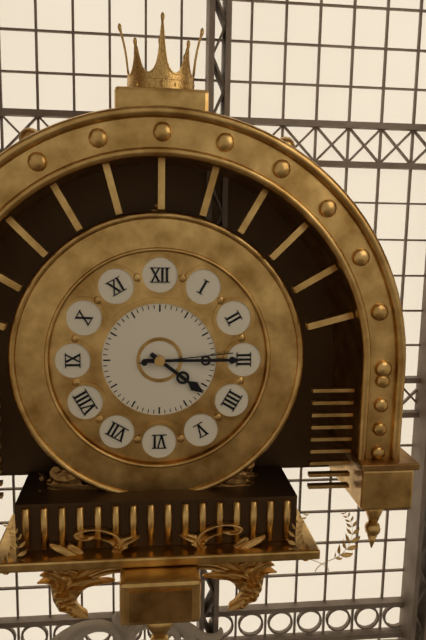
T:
**4:15:14**
